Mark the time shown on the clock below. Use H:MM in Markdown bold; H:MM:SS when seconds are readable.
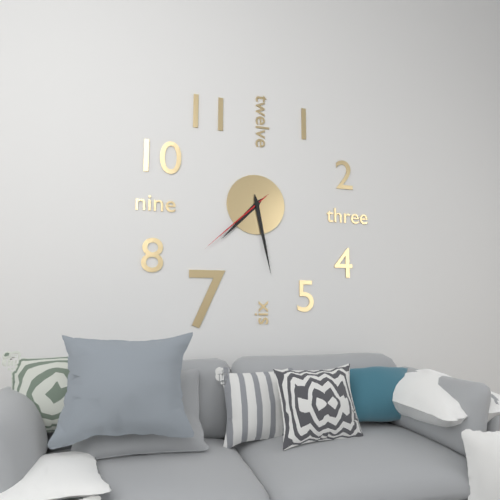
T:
**7:28:38**
